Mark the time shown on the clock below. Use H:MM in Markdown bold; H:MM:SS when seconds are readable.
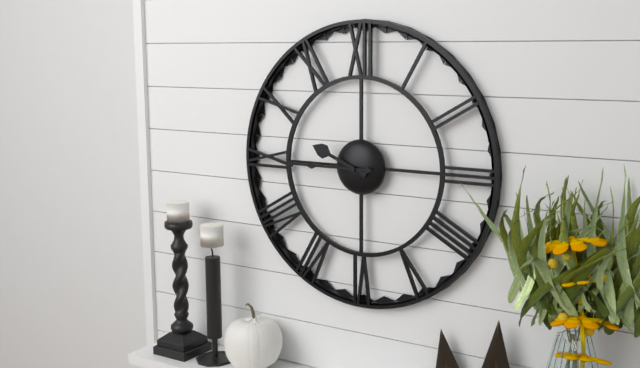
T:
**9:45**
